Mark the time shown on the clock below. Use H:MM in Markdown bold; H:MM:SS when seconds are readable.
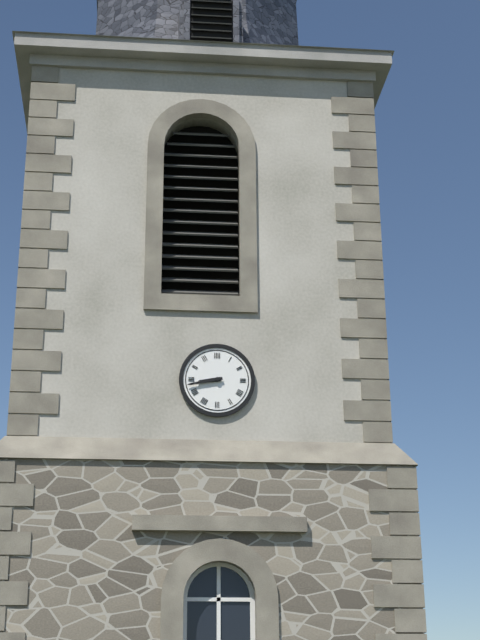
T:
**8:43**
